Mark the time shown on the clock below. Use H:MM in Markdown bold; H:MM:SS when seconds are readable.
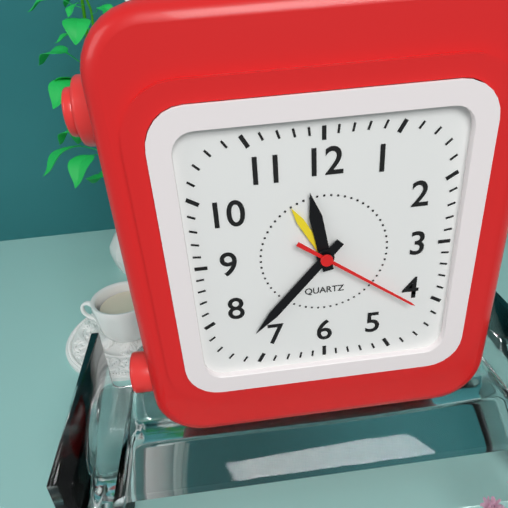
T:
**11:37:21**
